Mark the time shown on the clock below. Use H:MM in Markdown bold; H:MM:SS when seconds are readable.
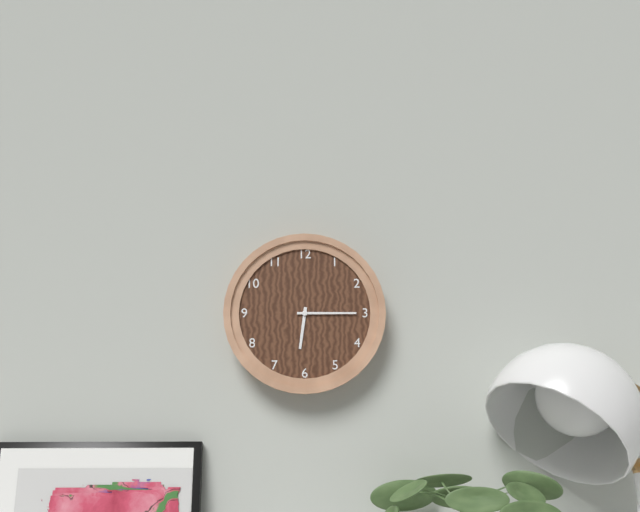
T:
**6:15**
